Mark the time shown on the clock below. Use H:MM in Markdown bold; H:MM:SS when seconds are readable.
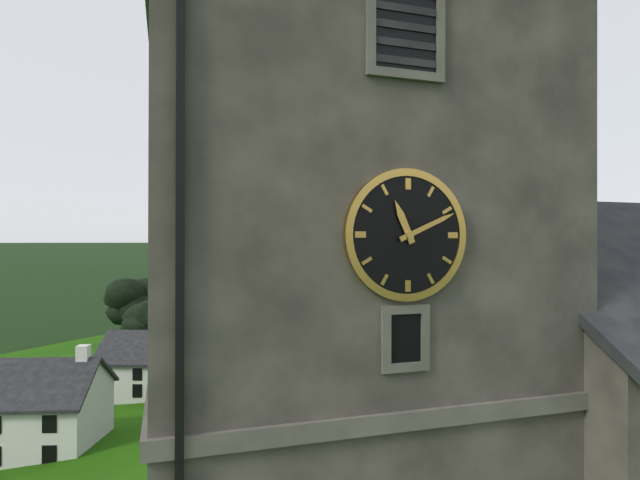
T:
**11:11**
